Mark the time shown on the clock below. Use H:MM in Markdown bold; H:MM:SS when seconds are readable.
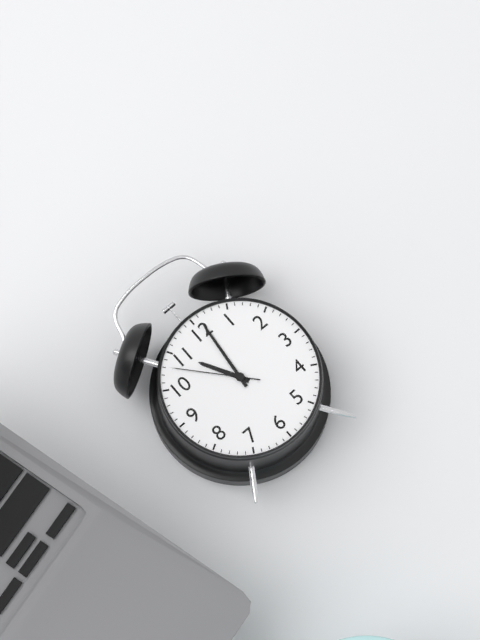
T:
**11:01:53**
